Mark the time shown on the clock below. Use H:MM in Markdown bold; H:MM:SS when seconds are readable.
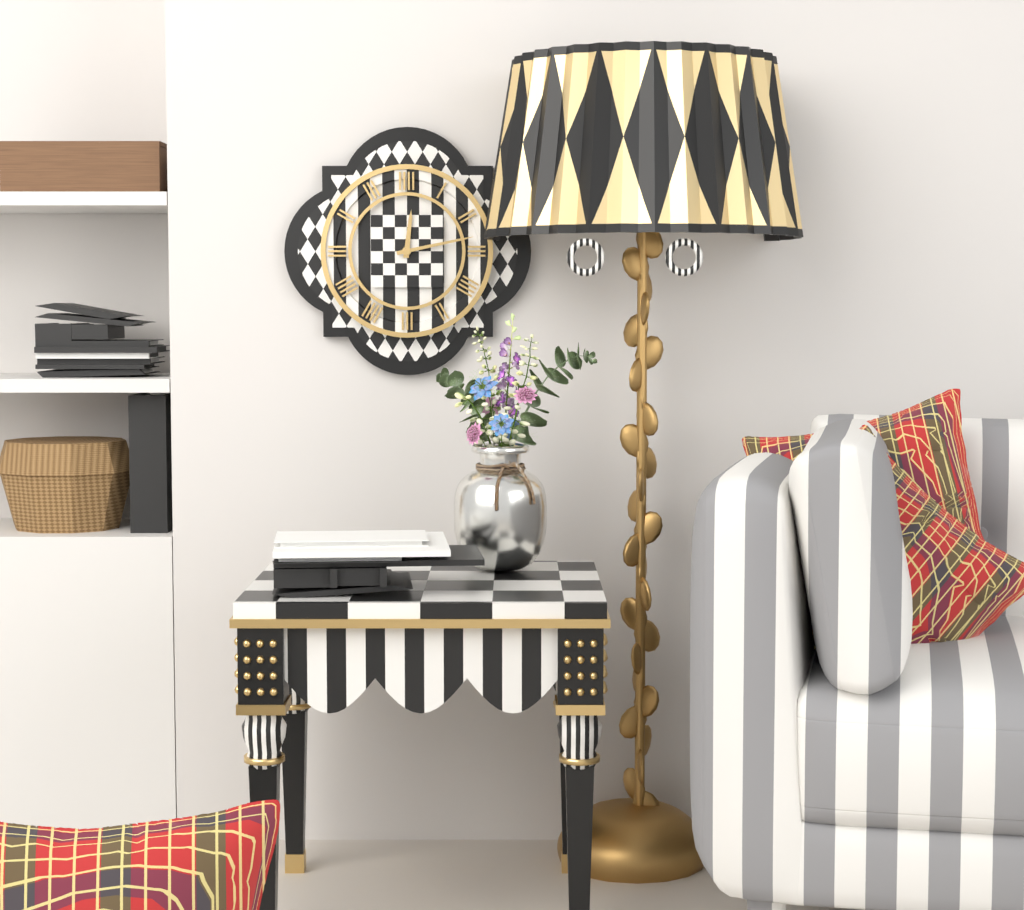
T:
**12:13**
